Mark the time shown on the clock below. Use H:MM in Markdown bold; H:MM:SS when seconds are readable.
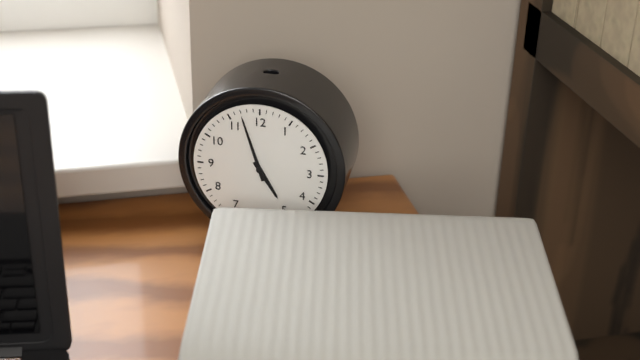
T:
**4:57**
